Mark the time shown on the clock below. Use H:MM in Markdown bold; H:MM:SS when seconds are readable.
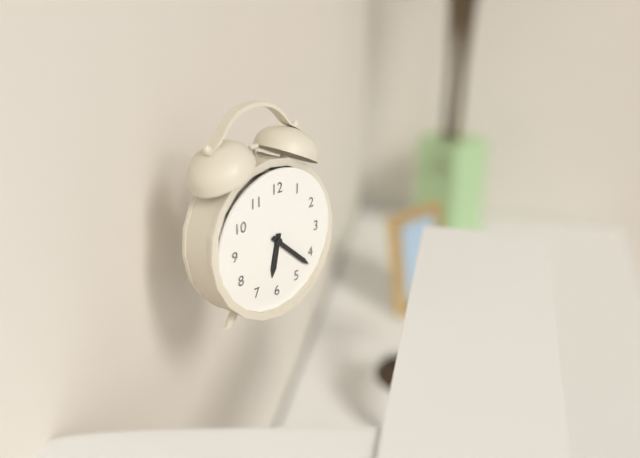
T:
**6:22**
